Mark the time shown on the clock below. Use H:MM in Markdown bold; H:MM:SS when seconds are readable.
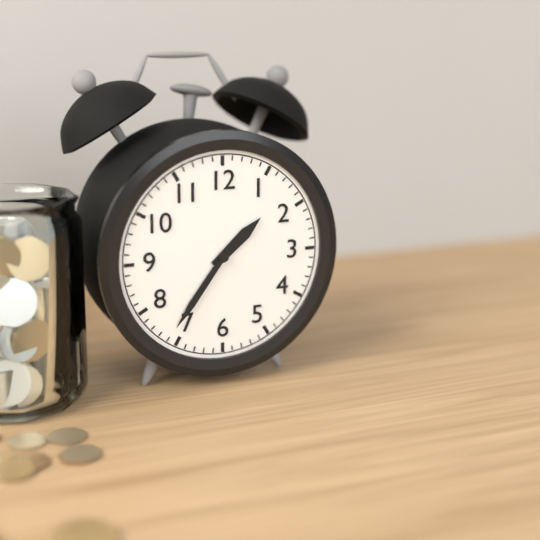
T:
**1:36**
